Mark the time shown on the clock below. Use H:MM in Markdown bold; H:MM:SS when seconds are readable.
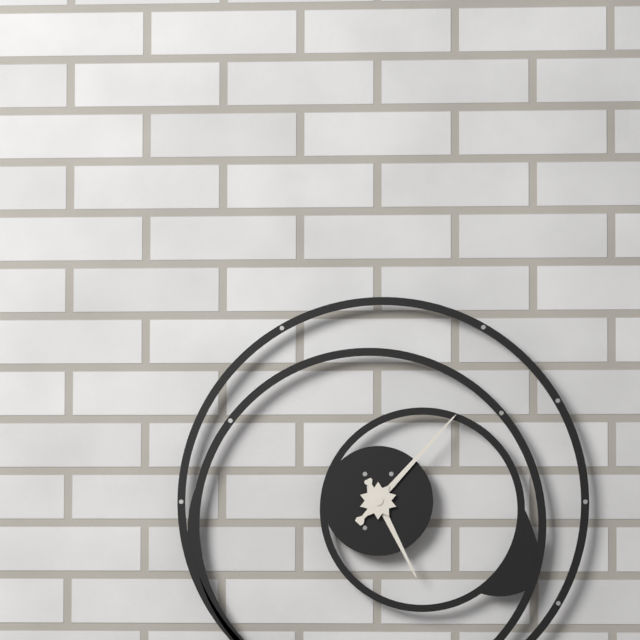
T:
**5:07**
